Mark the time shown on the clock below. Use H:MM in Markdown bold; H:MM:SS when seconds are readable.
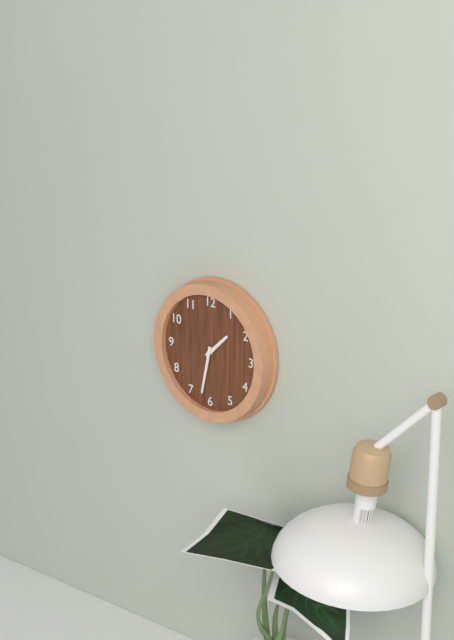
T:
**1:32**
